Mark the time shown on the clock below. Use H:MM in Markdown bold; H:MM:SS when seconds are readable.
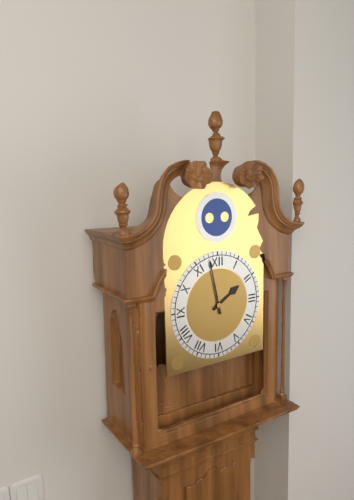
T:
**1:58**
